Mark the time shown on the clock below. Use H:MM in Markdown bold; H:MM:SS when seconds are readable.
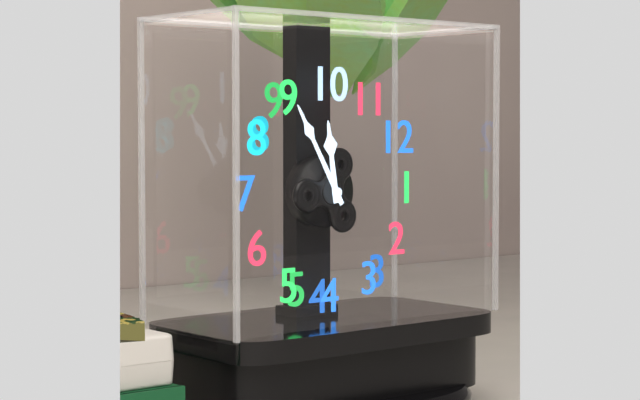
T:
**9:45**
